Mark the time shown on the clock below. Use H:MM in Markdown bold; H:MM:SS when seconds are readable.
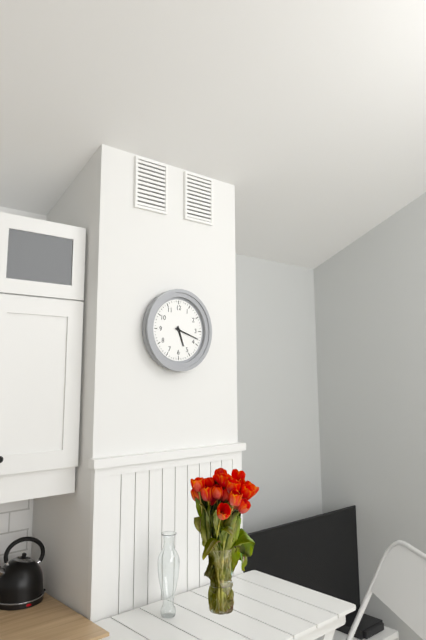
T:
**5:18**
